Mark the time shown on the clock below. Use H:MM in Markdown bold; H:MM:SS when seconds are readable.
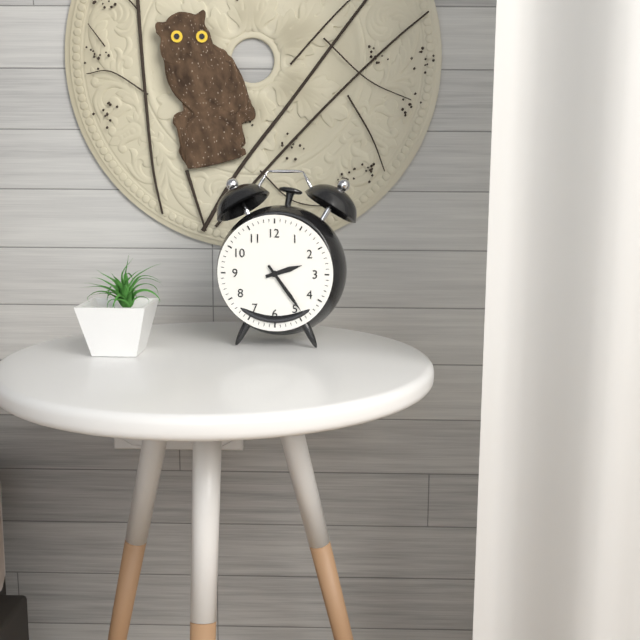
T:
**2:24**
